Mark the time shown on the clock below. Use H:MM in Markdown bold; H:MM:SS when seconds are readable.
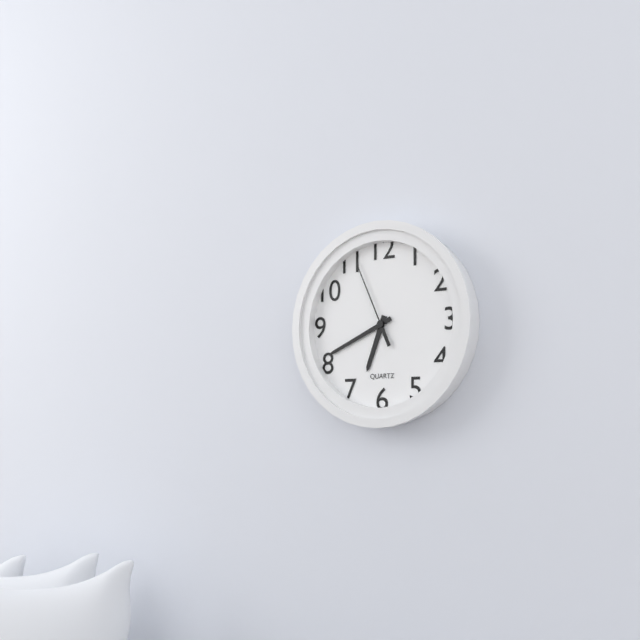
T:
**6:41:56**
